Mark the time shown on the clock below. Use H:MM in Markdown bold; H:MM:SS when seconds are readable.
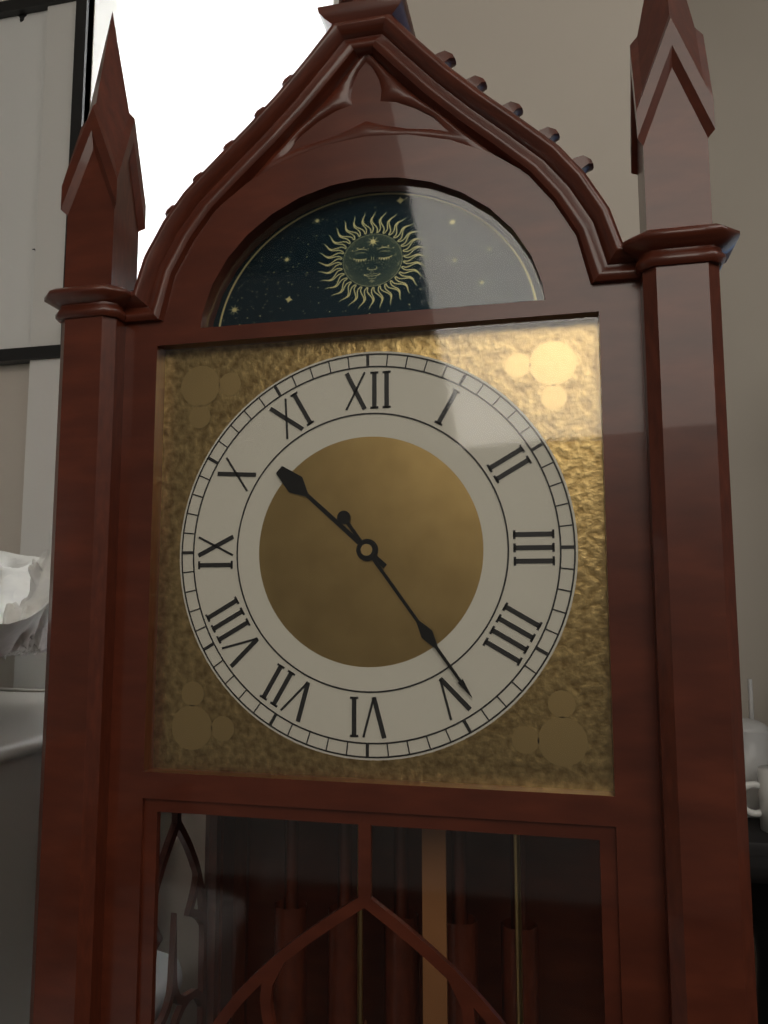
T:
**10:24**
